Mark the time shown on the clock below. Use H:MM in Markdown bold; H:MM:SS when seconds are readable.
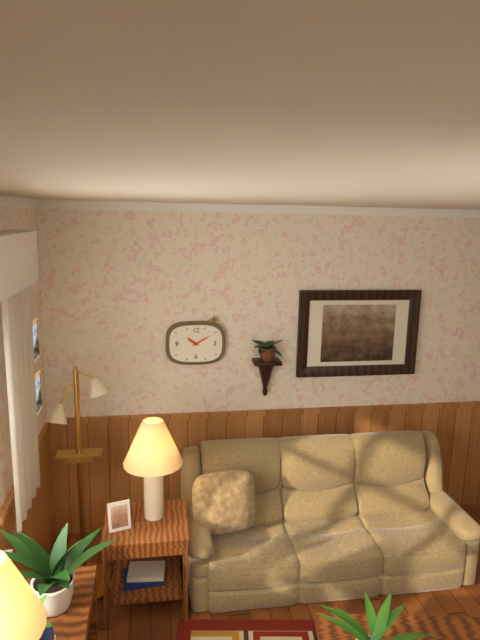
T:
**10:10**
